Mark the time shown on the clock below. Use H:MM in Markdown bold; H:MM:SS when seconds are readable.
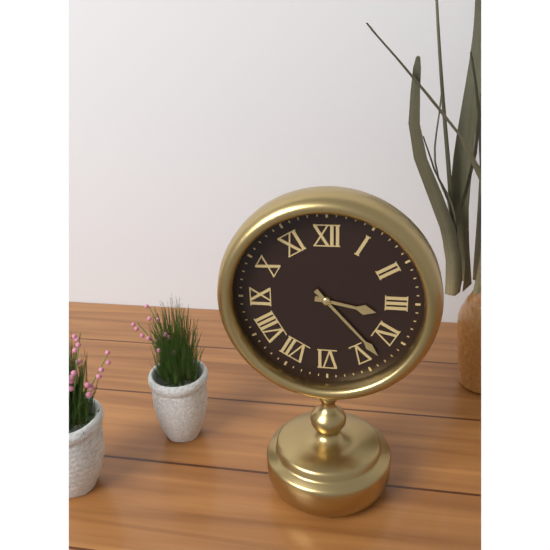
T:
**3:23**
